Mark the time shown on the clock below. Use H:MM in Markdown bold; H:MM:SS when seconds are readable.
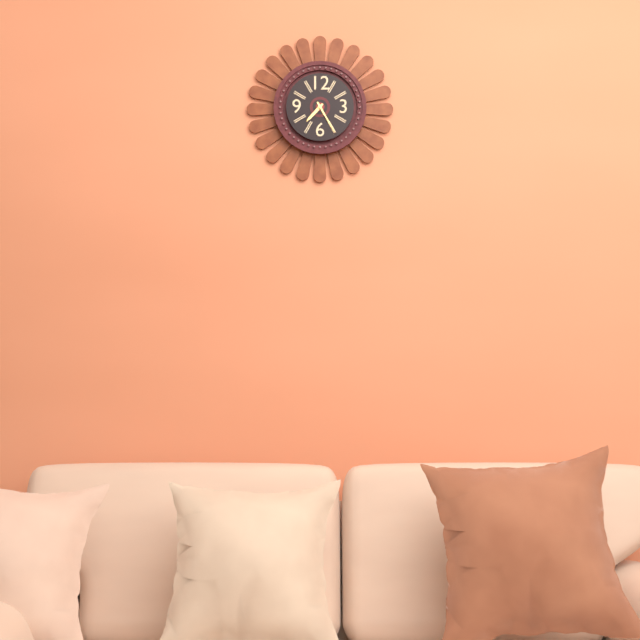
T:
**7:25**
